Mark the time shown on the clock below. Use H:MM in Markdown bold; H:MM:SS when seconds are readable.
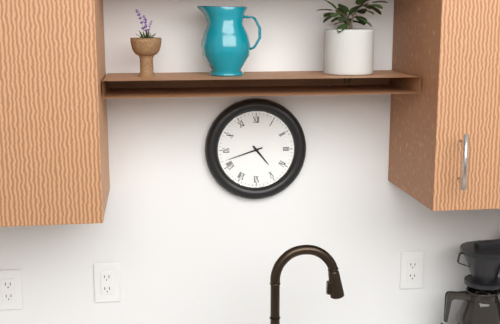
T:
**4:42**
